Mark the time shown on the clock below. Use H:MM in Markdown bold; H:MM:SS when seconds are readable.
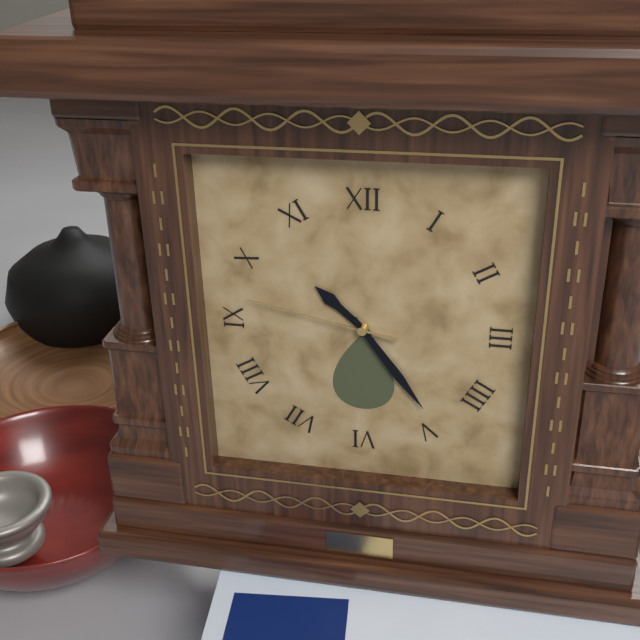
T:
**10:24:47**
